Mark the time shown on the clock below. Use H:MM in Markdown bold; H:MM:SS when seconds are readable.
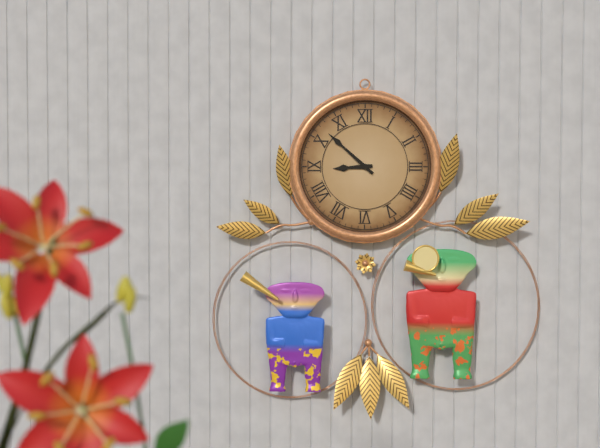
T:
**8:52**
